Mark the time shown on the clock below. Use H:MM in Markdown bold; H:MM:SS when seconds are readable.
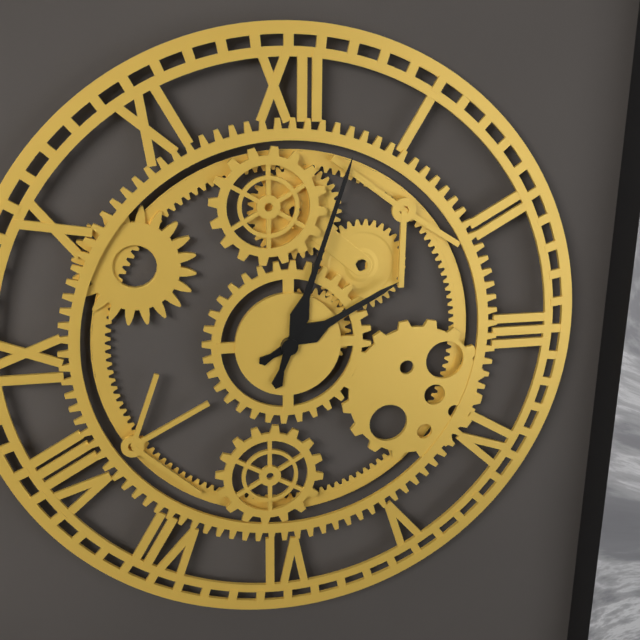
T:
**2:03**
